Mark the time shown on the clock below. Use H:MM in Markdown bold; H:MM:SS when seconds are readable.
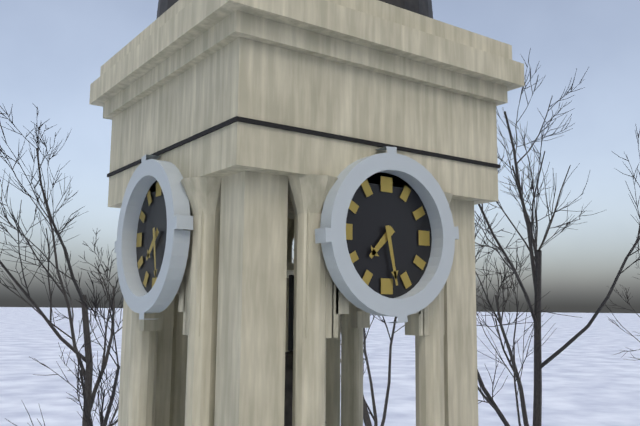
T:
**7:28**
